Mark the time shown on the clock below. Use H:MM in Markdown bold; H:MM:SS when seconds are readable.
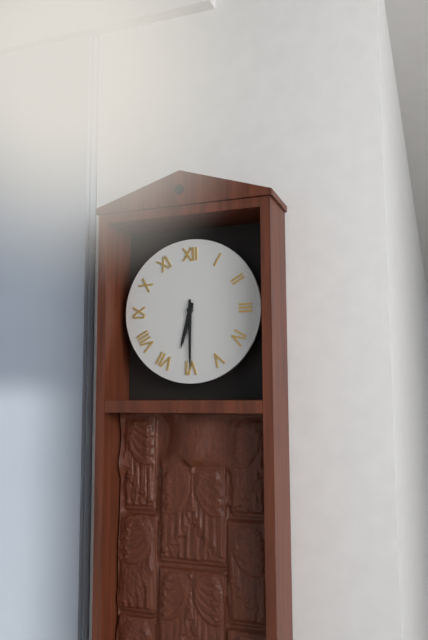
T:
**6:30**
